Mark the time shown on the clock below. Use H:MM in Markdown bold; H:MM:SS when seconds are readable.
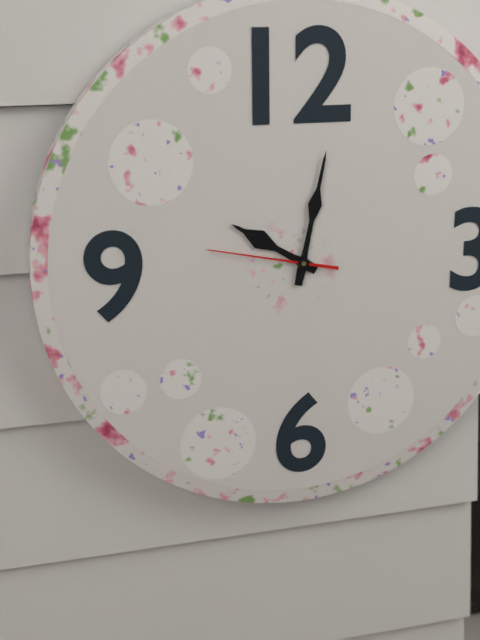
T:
**10:02:47**
